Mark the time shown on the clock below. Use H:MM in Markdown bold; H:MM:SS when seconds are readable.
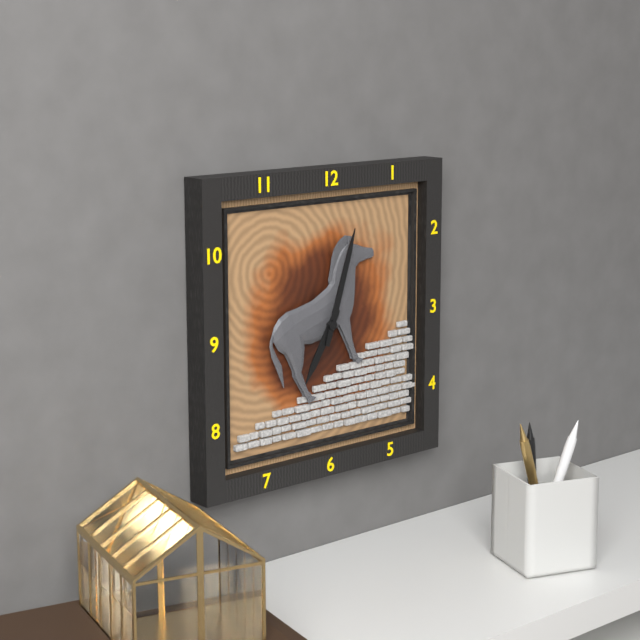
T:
**7:03**
